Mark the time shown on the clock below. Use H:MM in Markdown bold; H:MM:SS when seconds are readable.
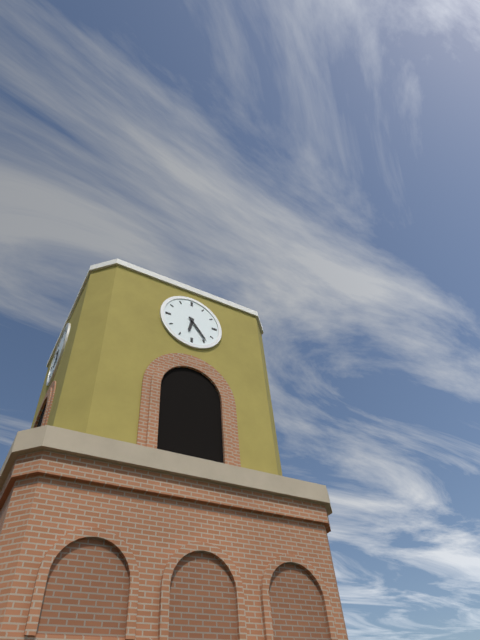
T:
**6:24**
